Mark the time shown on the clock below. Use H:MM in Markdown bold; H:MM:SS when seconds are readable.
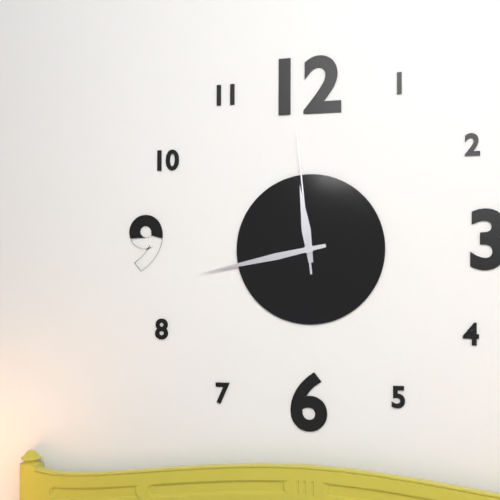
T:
**11:43:59**
